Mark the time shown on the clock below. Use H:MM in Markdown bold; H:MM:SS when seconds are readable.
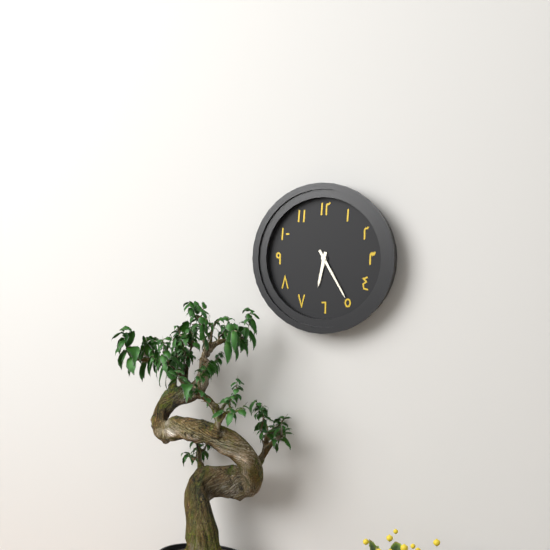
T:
**6:25**
